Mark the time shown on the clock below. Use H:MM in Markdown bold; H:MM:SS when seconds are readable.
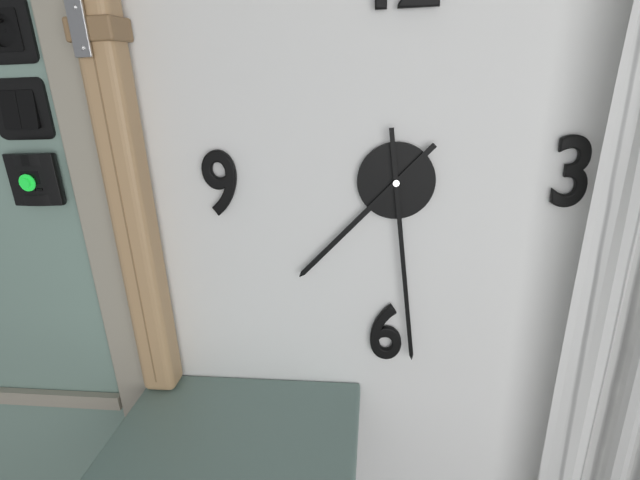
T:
**7:29**
